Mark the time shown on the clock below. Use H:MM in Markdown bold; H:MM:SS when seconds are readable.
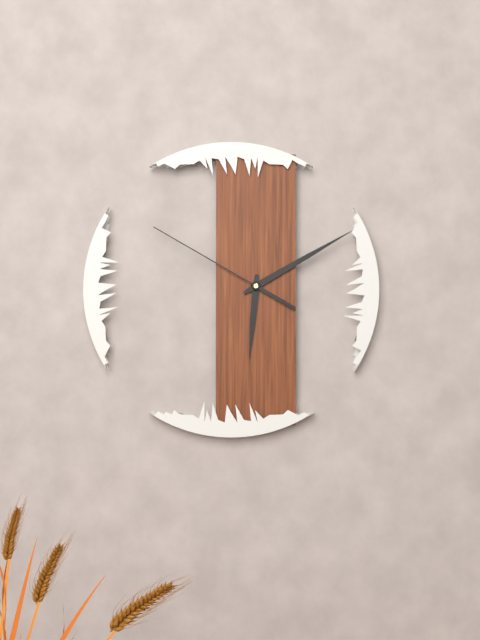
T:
**6:10:50**
